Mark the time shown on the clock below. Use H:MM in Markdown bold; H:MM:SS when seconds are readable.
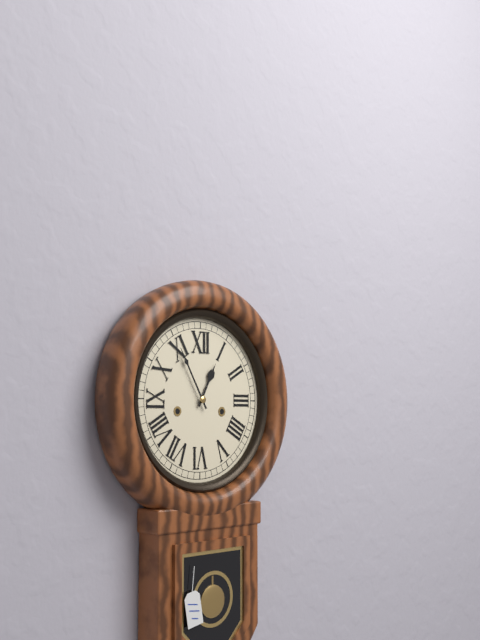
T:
**12:55**
